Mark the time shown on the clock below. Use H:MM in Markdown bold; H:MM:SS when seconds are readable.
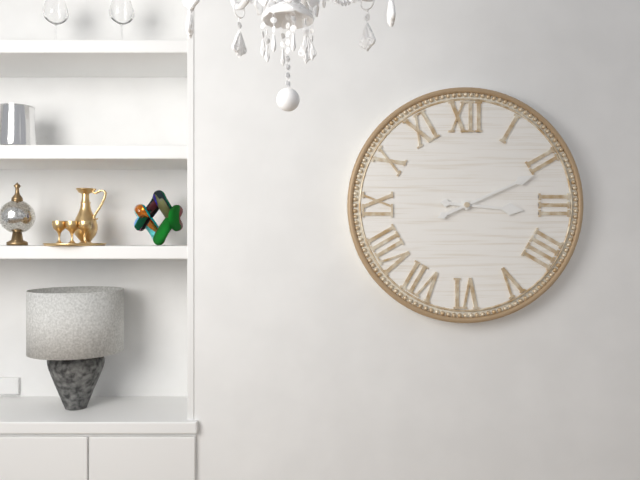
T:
**3:11**
